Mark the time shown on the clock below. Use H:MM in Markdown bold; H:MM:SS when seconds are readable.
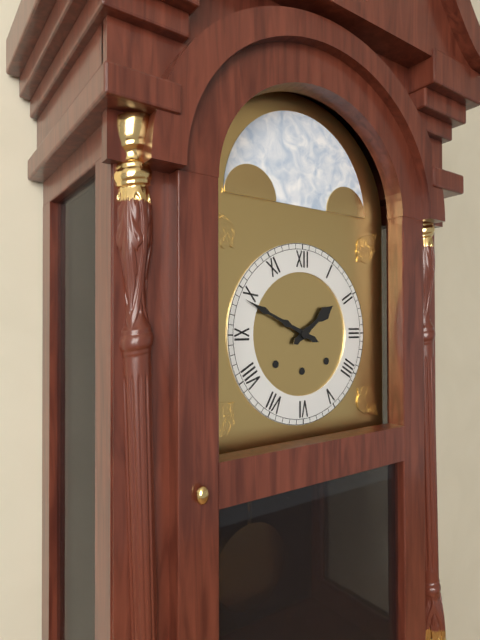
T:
**1:49**
